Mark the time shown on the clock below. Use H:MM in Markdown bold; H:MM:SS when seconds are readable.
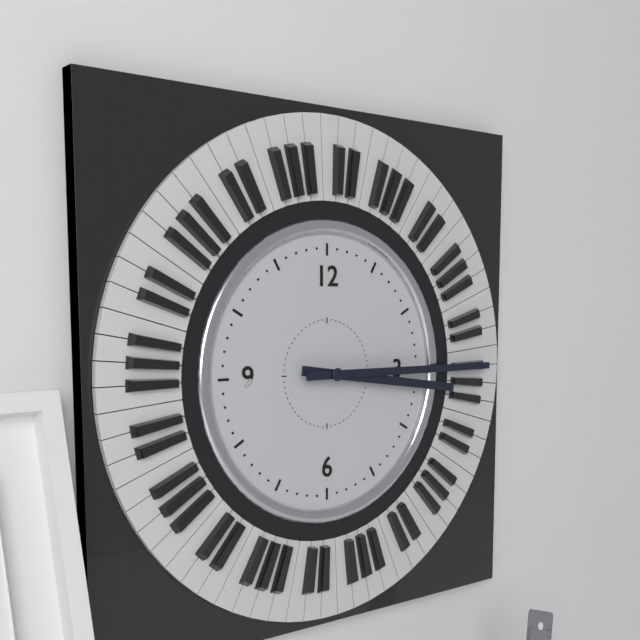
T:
**3:15**
